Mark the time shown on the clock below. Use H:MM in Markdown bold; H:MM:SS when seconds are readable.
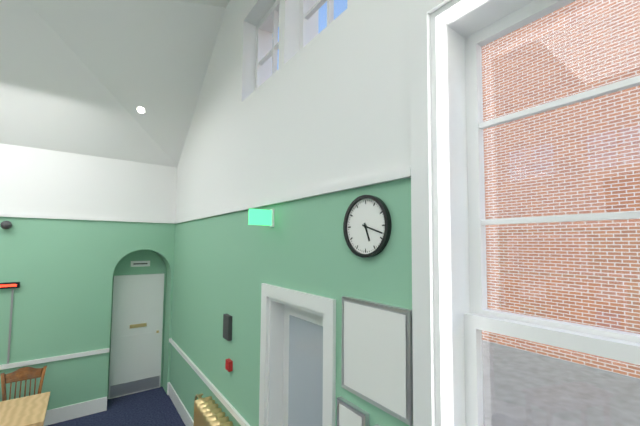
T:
**5:18**
